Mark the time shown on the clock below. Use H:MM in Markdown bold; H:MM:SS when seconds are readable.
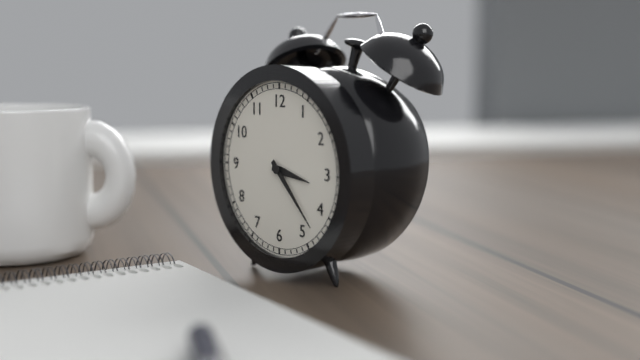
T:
**3:23**
